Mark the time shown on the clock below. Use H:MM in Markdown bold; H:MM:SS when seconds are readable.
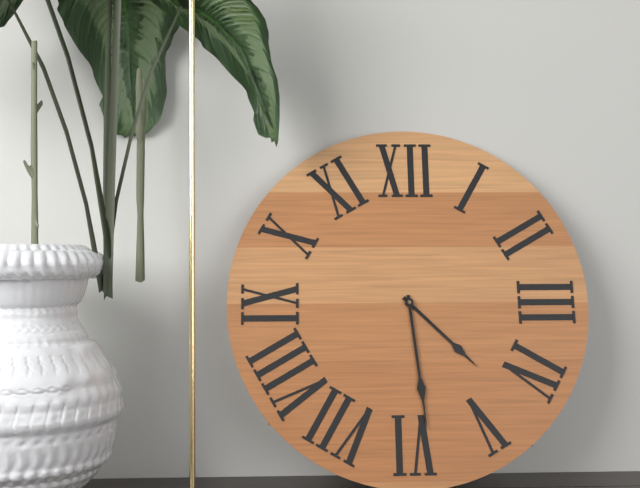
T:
**4:29**
